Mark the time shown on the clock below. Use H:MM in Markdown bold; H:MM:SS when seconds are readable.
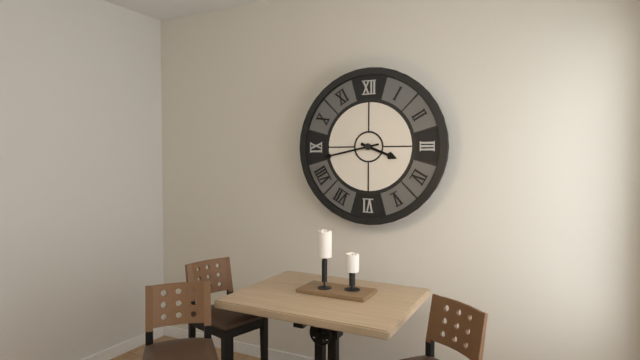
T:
**3:43**
